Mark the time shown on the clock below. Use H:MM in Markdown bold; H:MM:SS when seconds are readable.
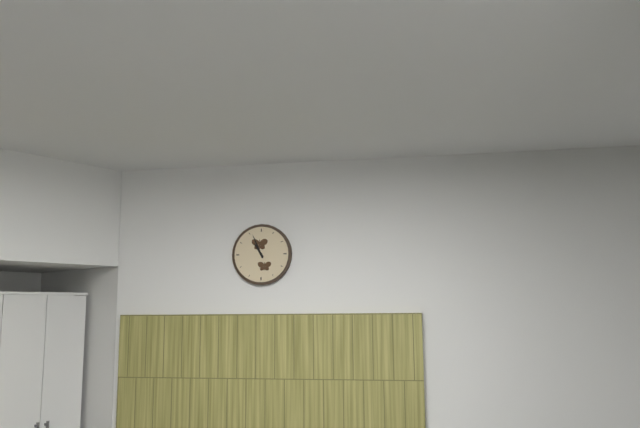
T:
**10:56**
